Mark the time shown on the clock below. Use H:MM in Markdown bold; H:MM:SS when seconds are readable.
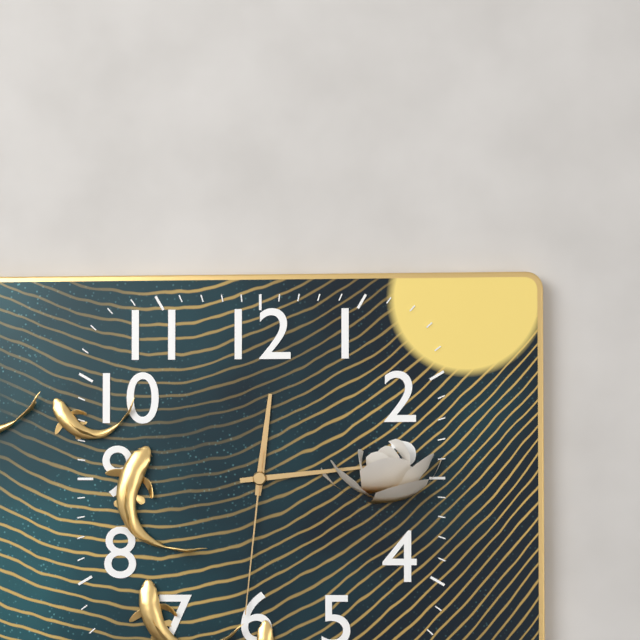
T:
**12:14:31**
